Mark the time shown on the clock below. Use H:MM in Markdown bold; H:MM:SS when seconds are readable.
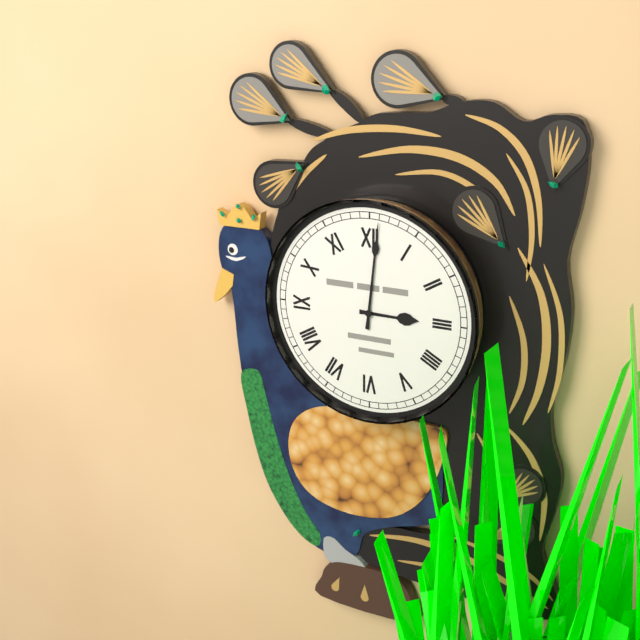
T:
**3:01**
